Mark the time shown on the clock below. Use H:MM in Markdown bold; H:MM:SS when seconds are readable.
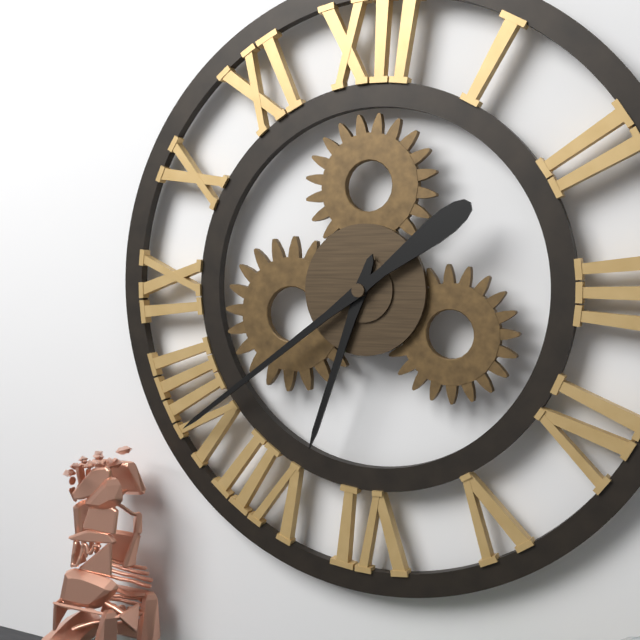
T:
**6:39**
